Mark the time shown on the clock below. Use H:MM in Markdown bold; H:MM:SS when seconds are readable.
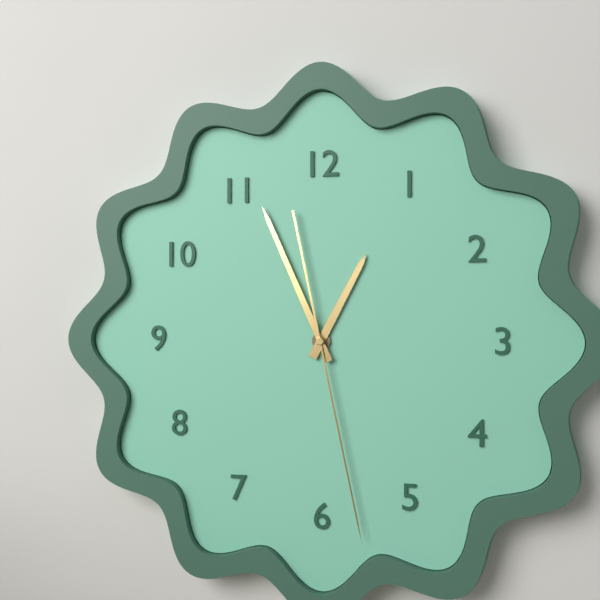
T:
**12:56:28**
